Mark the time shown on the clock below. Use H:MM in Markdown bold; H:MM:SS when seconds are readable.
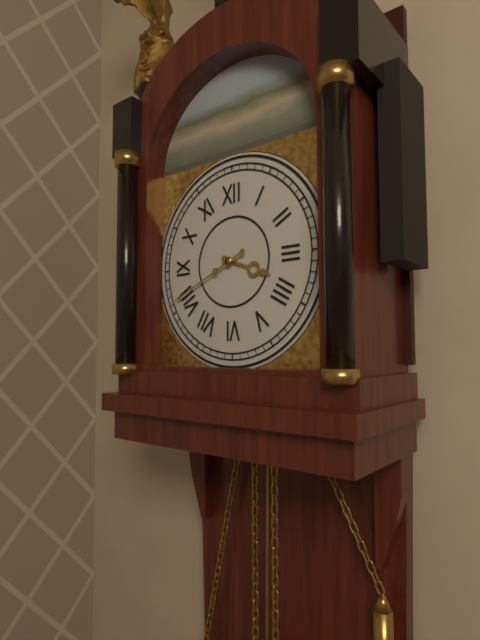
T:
**3:41**
